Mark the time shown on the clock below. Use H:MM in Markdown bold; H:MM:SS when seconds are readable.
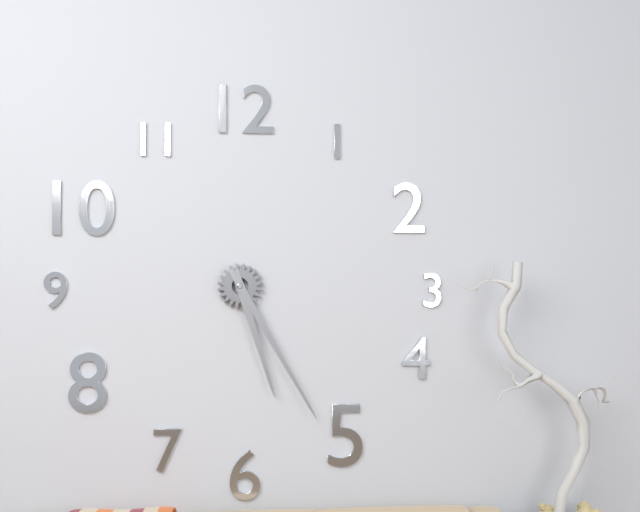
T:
**5:25**
